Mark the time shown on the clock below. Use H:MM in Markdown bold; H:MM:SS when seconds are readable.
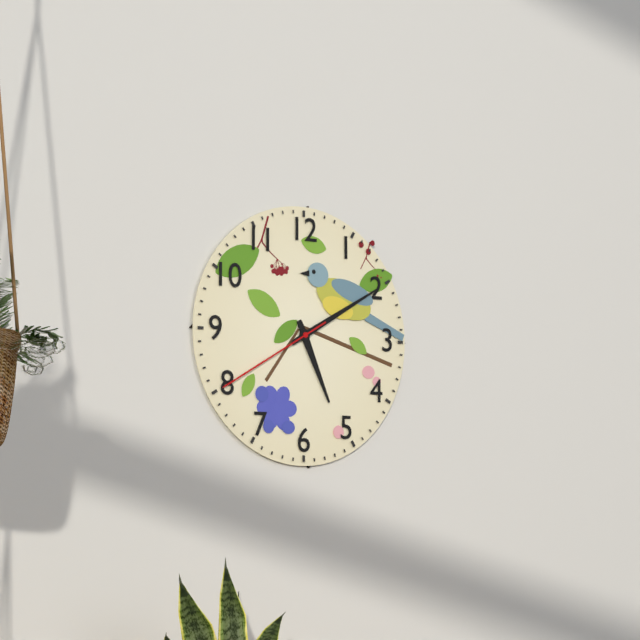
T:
**5:10:40**
